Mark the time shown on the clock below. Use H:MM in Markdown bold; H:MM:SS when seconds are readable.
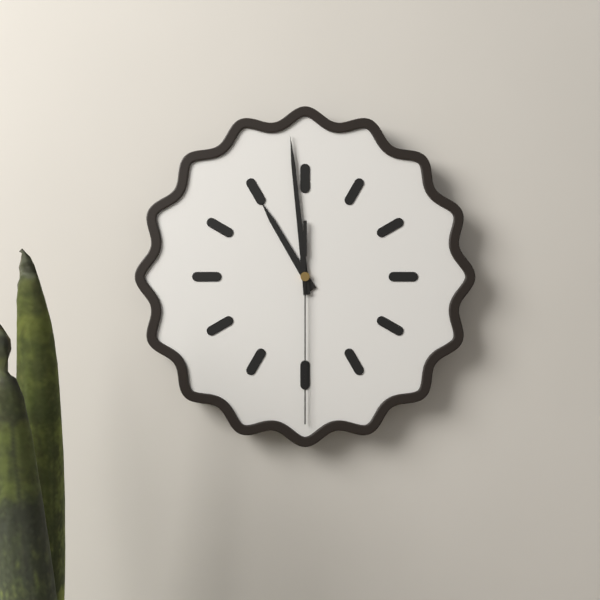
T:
**10:59:30**
